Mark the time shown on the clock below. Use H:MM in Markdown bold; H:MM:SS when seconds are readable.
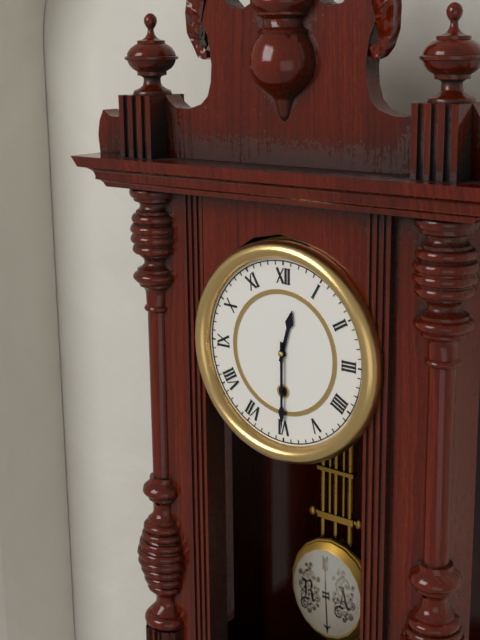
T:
**12:30**
